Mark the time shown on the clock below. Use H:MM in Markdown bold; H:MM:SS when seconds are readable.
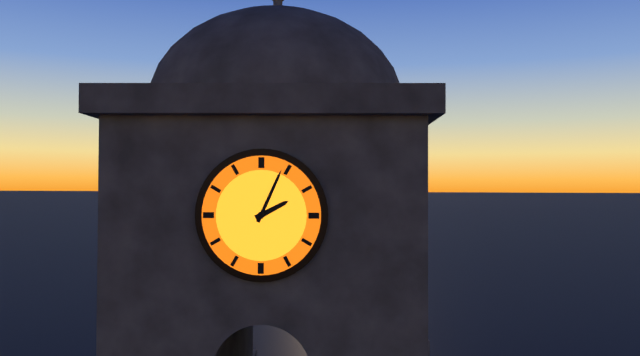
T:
**2:04**
